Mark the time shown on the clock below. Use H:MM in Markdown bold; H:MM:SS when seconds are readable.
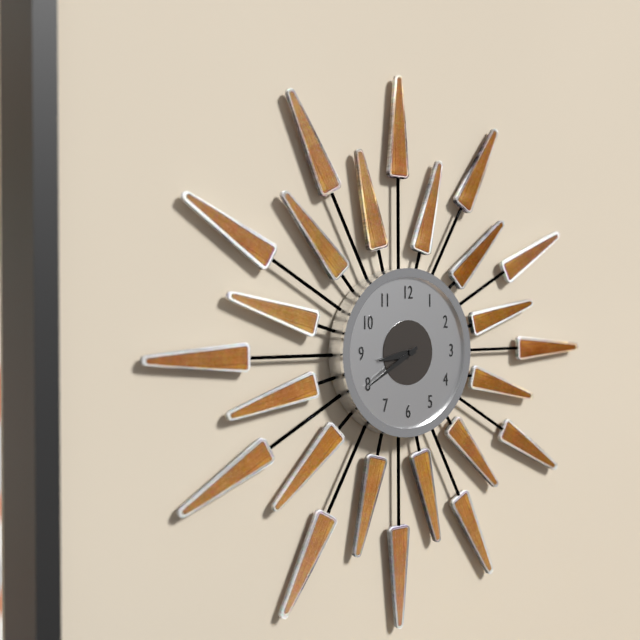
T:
**8:40**
